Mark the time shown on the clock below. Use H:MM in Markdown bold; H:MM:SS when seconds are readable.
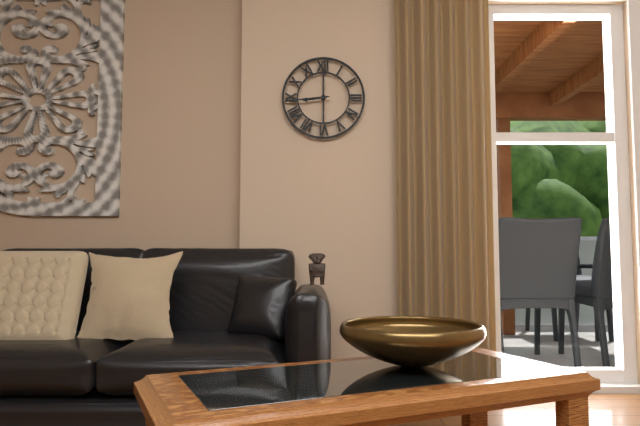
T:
**8:44**
